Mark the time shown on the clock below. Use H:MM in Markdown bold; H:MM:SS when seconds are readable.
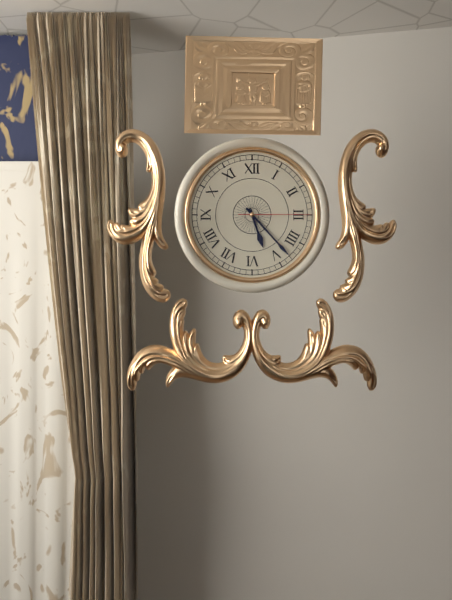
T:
**5:23:15**
